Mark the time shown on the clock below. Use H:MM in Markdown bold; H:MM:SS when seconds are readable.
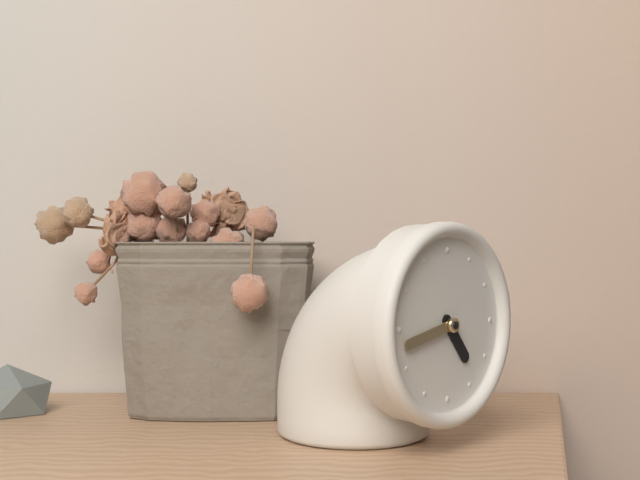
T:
**4:43**
